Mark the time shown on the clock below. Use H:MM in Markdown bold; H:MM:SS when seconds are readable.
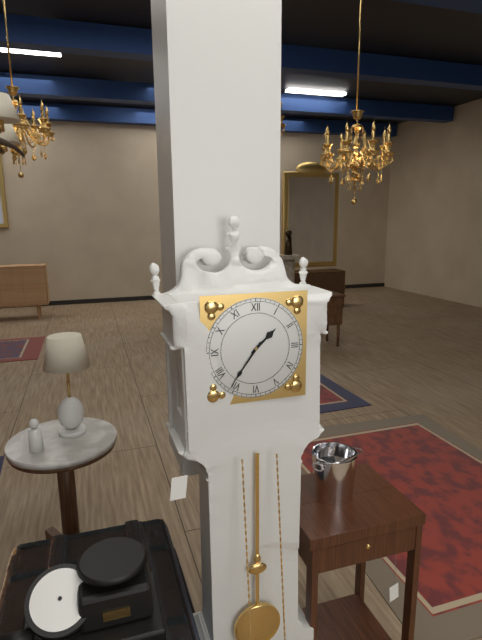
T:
**1:36**
